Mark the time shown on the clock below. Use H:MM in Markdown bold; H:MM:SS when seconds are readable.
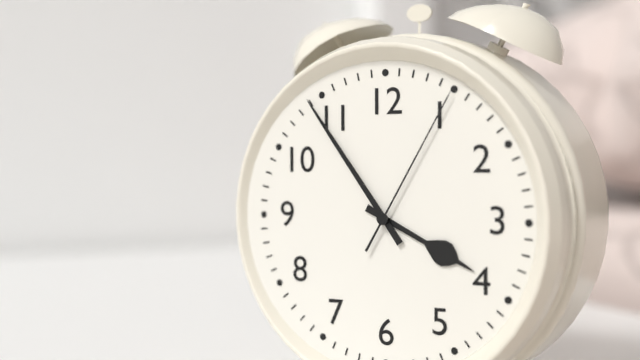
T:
**3:54:05**
